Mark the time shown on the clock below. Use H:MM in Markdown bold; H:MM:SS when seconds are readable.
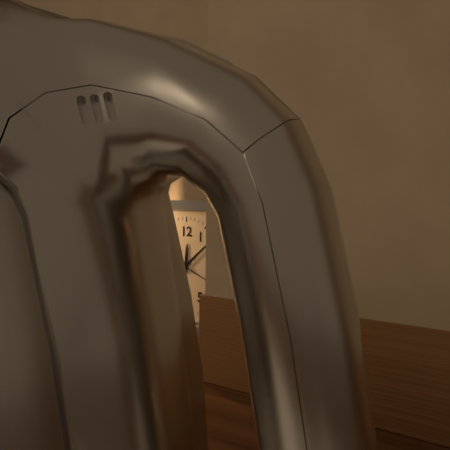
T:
**12:08**
